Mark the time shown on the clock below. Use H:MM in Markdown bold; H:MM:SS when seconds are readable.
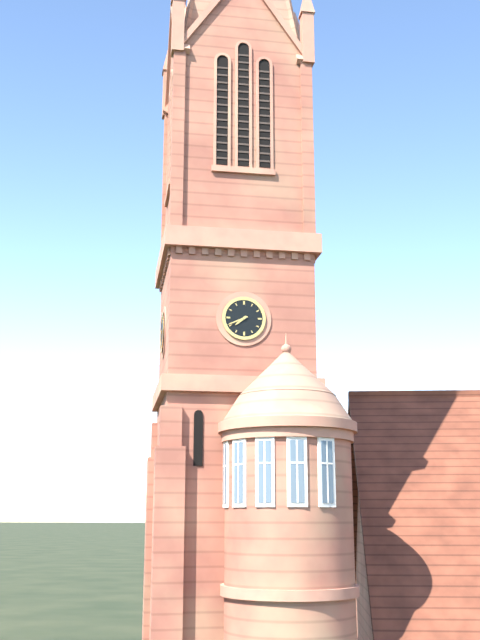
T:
**7:41**
